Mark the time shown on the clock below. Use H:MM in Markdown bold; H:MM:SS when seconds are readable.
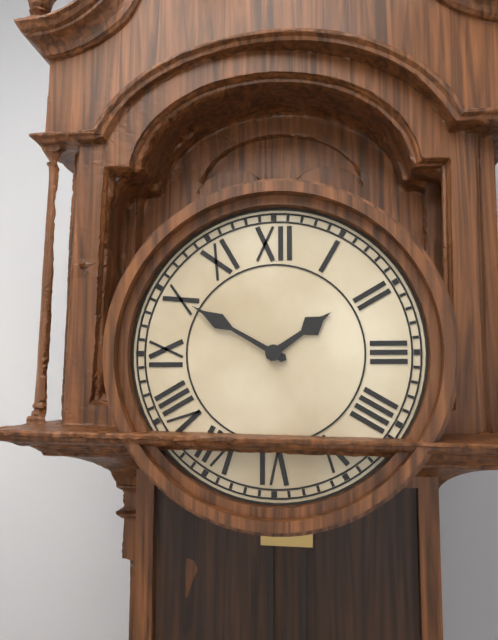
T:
**1:50**
